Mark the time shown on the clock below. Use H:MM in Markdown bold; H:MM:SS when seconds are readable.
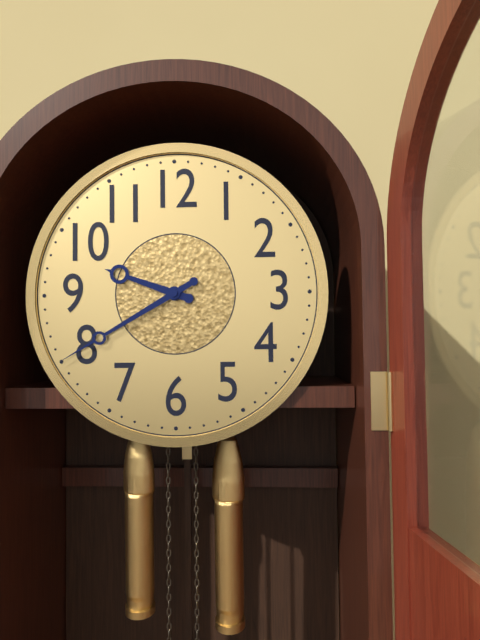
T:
**9:40**
